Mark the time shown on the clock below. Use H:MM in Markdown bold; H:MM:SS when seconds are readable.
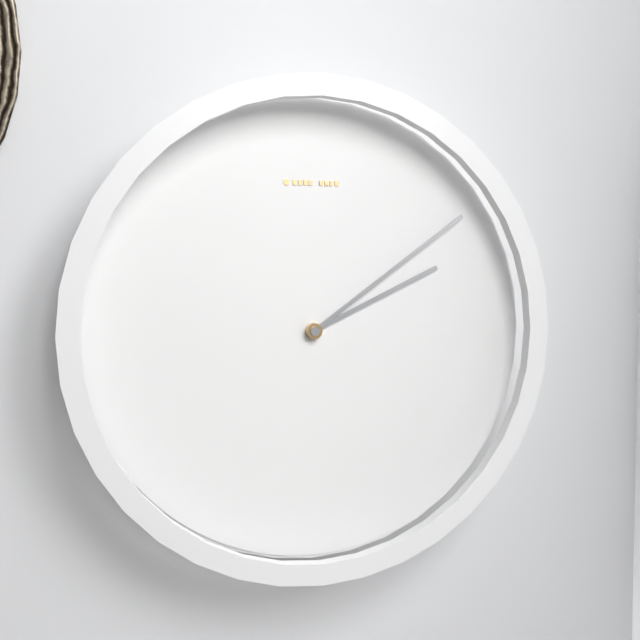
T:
**2:09**
